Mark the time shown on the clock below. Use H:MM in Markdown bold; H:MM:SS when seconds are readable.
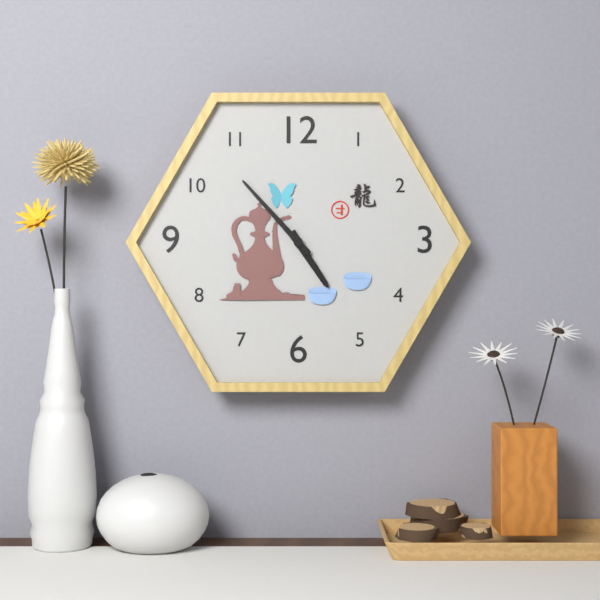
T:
**4:53**
